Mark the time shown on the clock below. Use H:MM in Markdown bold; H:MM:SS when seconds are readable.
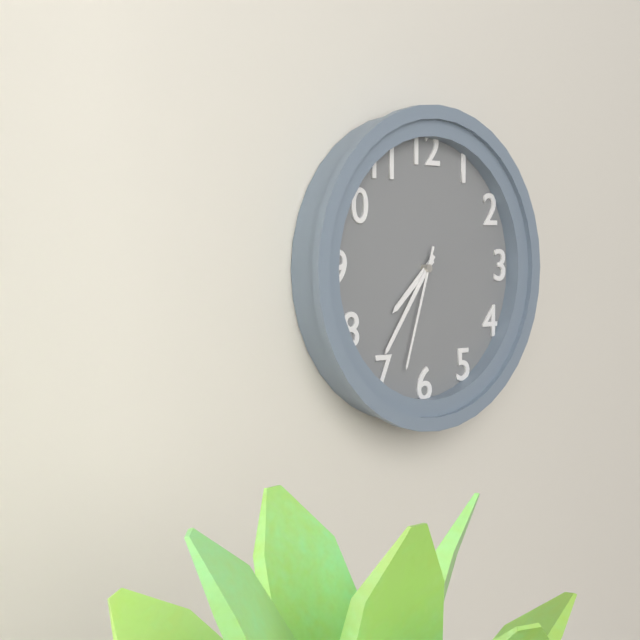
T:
**7:36:33**
